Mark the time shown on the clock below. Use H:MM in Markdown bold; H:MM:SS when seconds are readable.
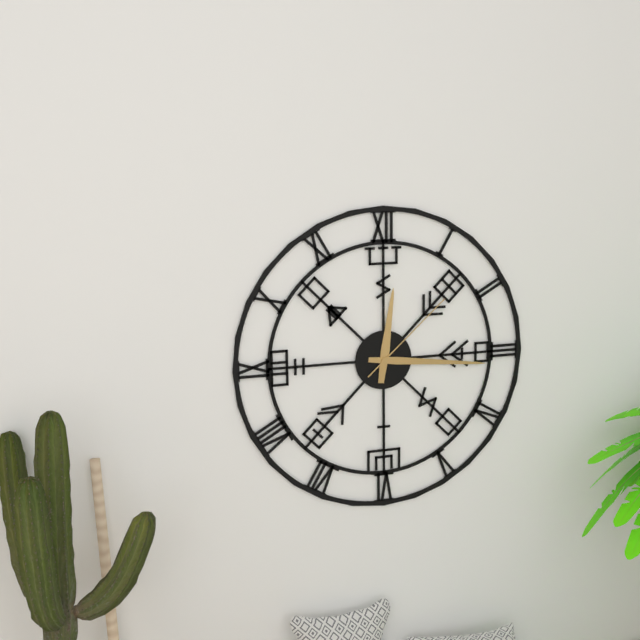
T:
**12:16:08**
